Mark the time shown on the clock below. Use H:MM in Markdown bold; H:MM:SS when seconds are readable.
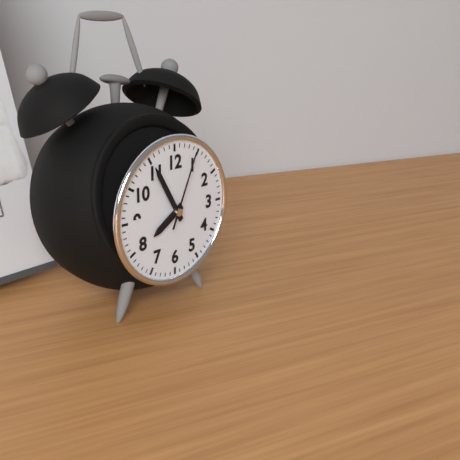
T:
**7:55:04**
